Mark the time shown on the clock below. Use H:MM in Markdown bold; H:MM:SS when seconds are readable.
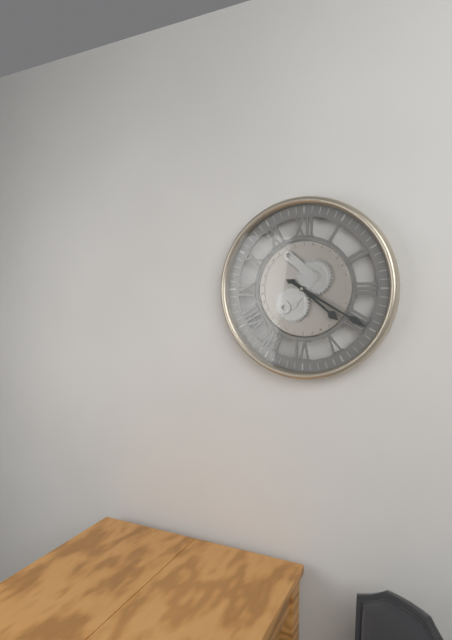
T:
**4:20**
